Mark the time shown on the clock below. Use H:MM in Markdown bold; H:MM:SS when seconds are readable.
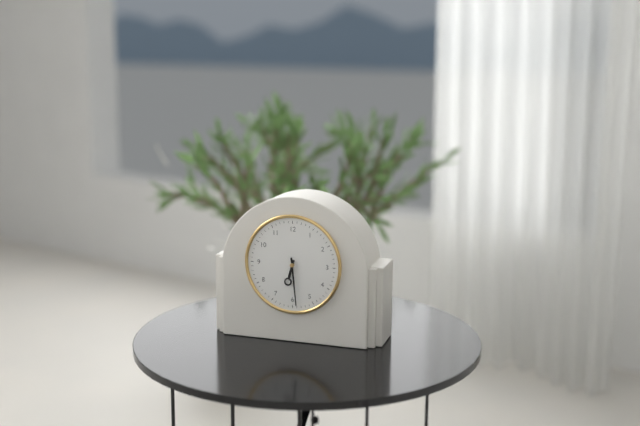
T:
**6:29**
